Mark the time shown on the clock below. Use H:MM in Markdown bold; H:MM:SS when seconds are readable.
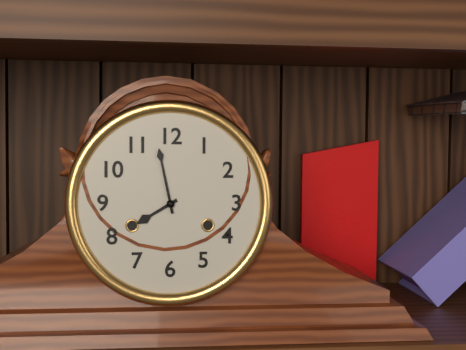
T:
**7:58**
